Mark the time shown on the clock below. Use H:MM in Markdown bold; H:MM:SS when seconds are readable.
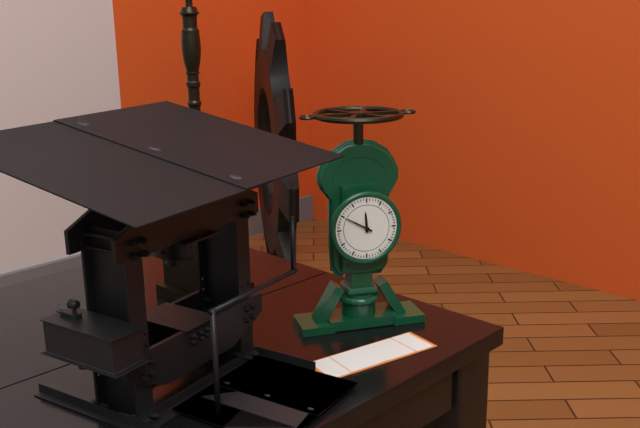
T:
**11:50**
